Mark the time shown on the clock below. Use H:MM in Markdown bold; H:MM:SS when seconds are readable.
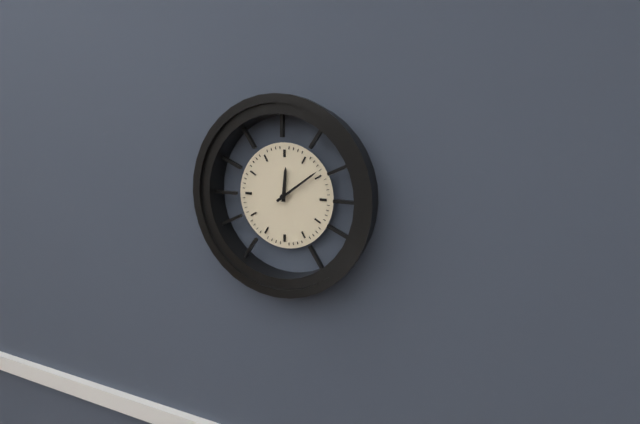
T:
**12:09**
